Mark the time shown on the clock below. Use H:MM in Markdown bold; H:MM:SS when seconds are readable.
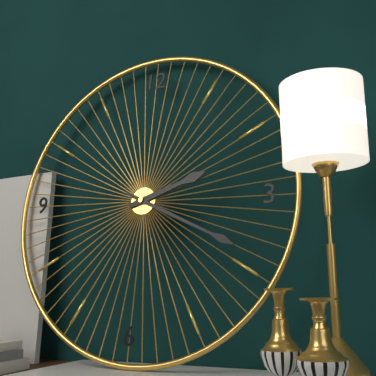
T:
**2:19**
